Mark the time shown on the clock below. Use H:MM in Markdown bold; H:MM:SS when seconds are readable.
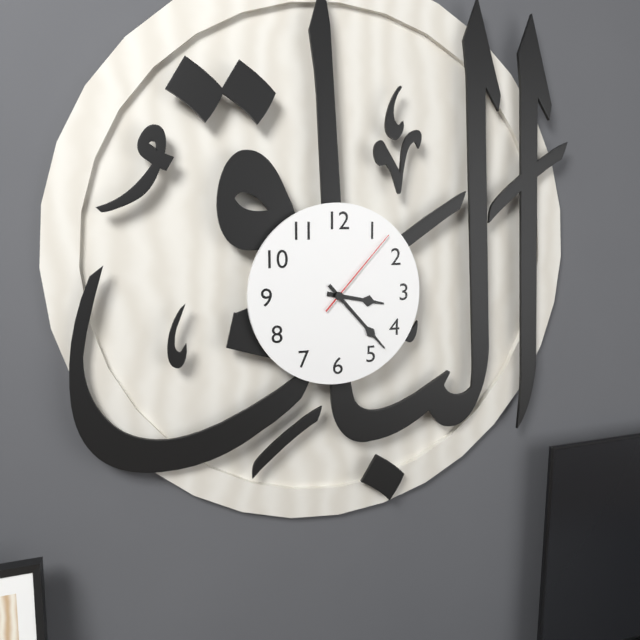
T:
**3:23:07**
